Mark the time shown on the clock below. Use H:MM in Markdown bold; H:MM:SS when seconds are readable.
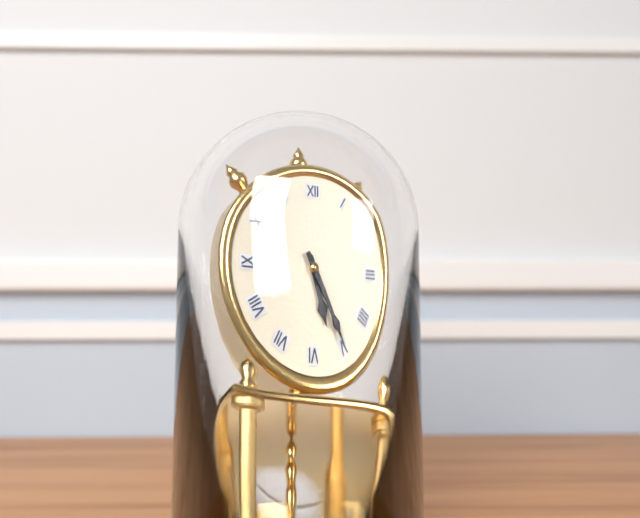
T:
**5:25**
